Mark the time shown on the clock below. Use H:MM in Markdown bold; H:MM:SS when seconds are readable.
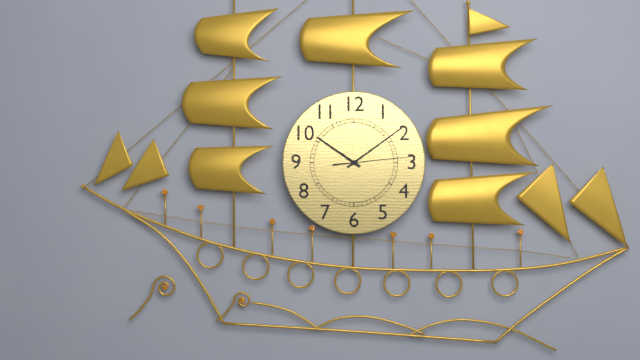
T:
**10:09:14**
